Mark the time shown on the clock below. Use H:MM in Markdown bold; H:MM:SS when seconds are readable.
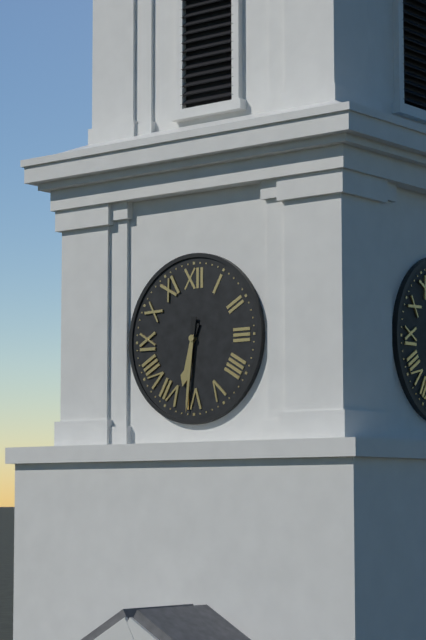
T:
**6:31**
